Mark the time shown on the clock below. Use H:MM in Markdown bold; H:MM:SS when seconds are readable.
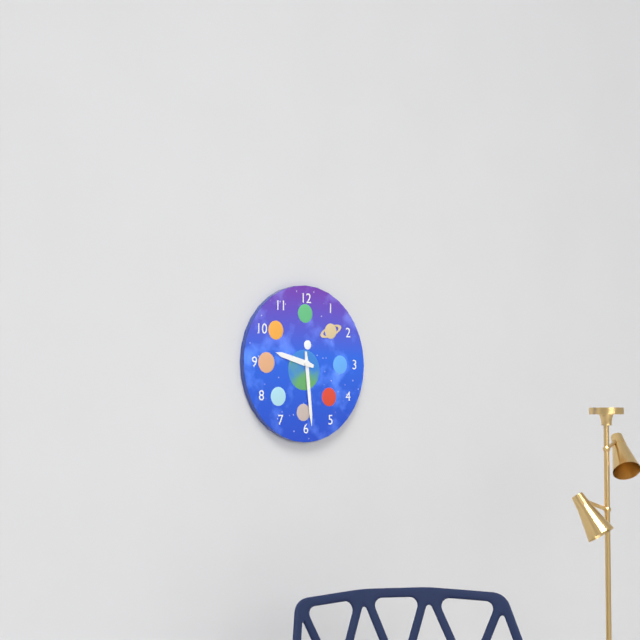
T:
**9:29**
